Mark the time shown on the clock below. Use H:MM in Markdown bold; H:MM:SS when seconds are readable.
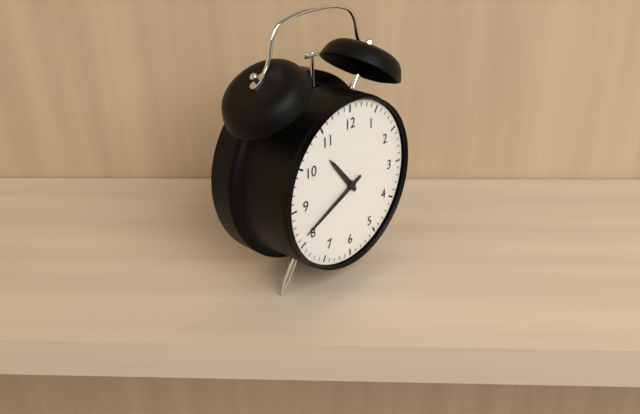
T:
**10:41**
